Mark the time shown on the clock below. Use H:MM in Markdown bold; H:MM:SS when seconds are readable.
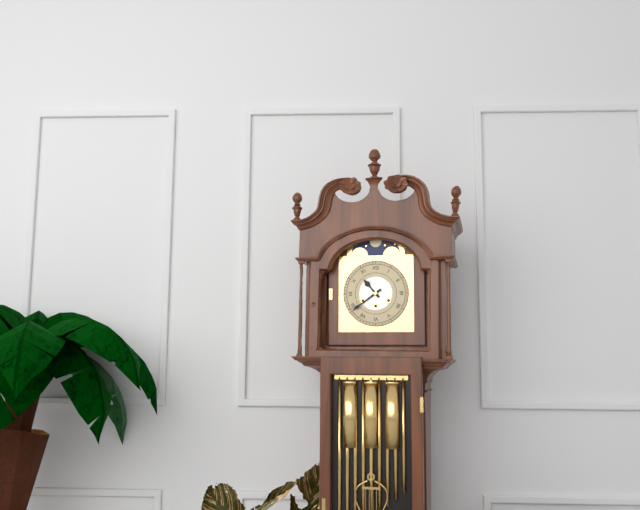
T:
**10:39**
